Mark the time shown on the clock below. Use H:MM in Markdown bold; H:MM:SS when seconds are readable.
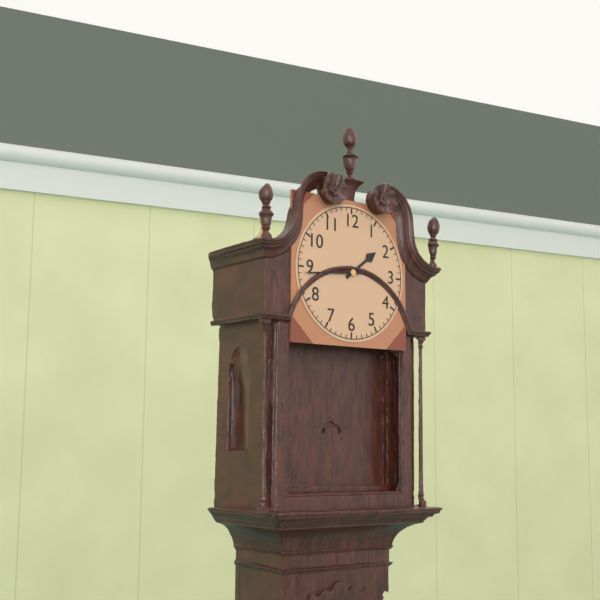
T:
**1:44**
